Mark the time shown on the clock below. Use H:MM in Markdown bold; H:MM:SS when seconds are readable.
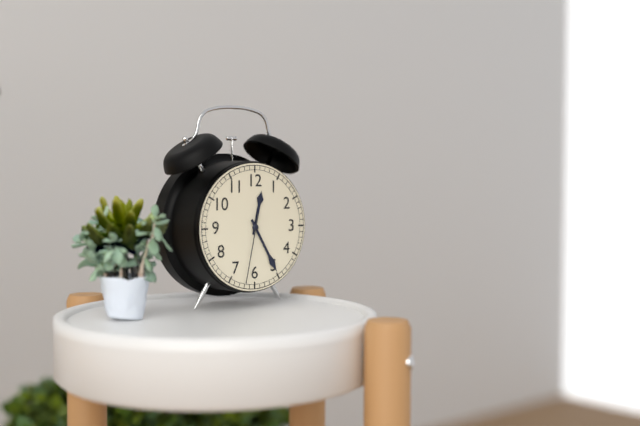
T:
**12:25:32**
